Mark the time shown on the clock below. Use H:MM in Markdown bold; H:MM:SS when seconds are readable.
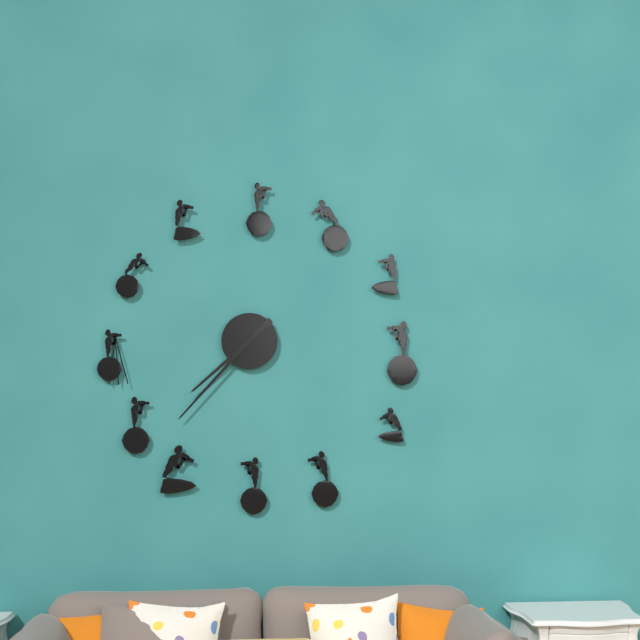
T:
**7:37**
